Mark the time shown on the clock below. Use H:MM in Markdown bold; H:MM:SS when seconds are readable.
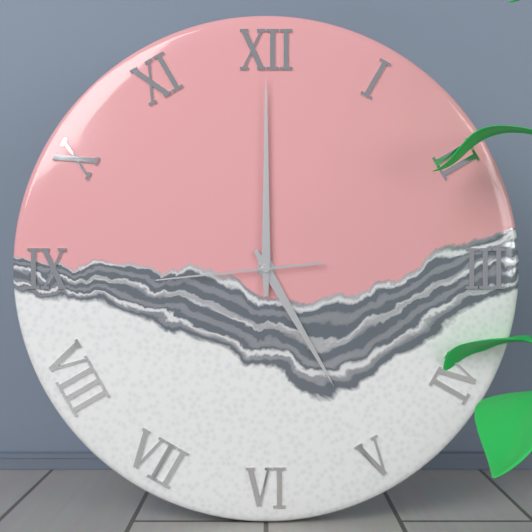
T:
**5:00:44**
